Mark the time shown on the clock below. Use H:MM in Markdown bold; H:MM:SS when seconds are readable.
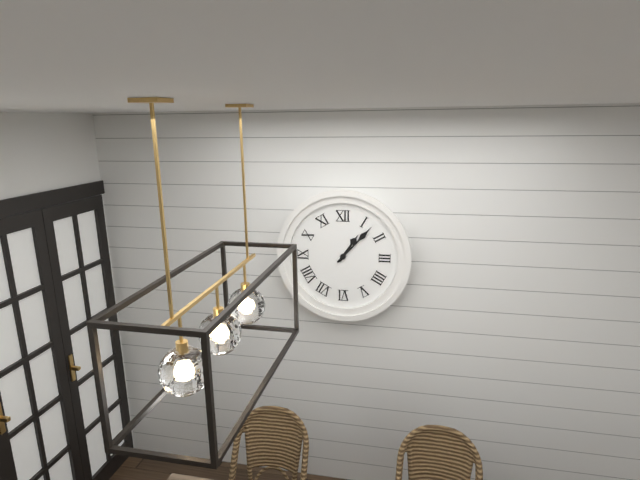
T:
**1:07**
